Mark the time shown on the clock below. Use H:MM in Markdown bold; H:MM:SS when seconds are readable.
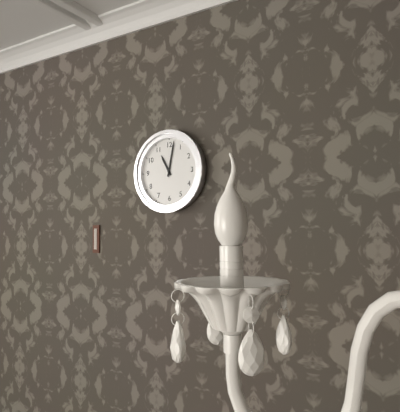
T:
**11:02**
